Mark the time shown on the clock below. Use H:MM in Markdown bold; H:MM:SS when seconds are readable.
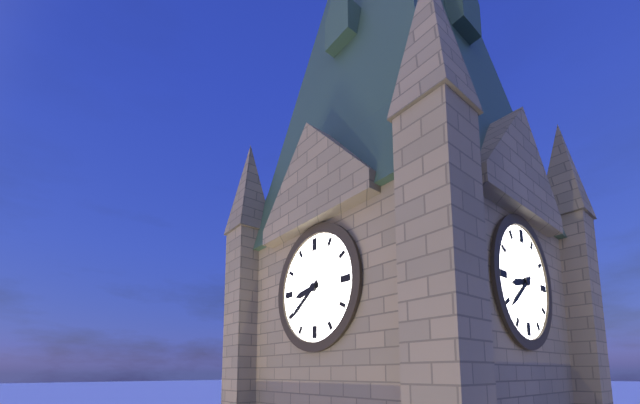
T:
**8:39**
